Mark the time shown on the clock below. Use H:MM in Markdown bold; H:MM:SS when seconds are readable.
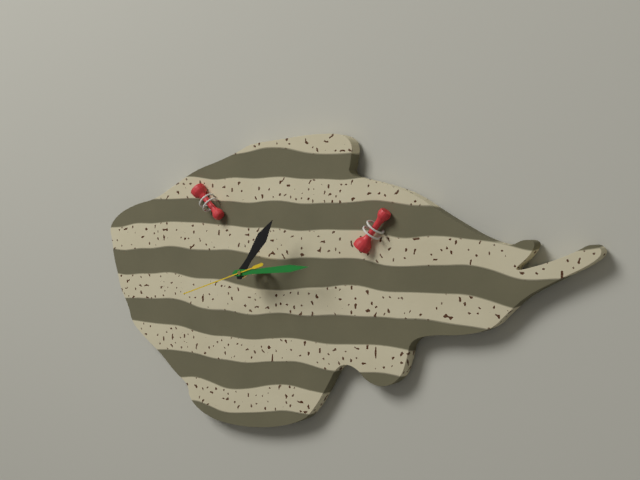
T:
**1:14:42**
